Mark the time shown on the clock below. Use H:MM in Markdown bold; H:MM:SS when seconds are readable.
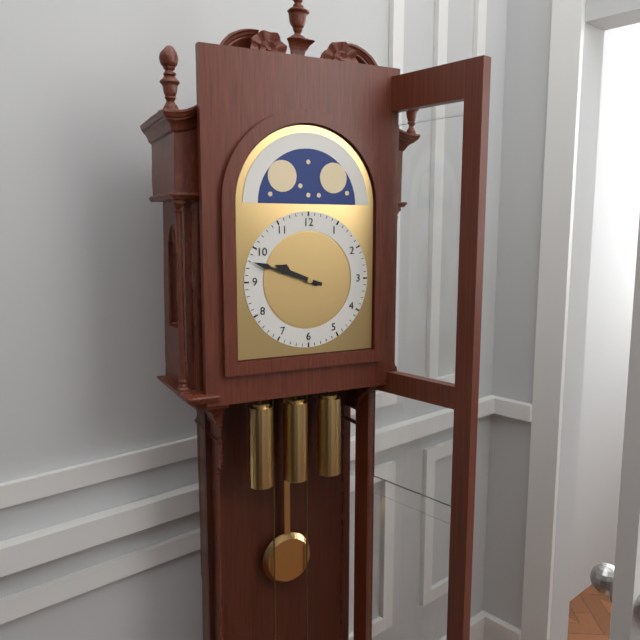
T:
**9:48**
